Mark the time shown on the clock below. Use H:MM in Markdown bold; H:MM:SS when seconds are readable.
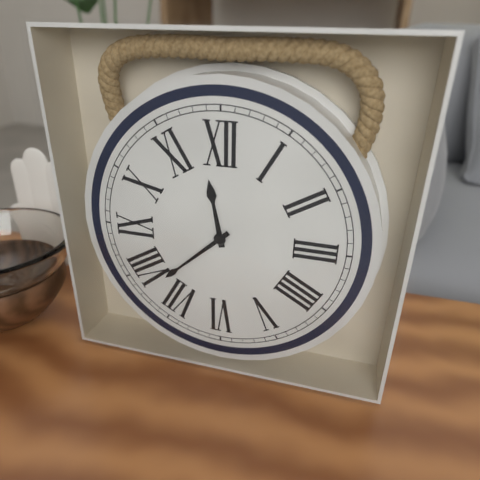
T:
**11:38**
